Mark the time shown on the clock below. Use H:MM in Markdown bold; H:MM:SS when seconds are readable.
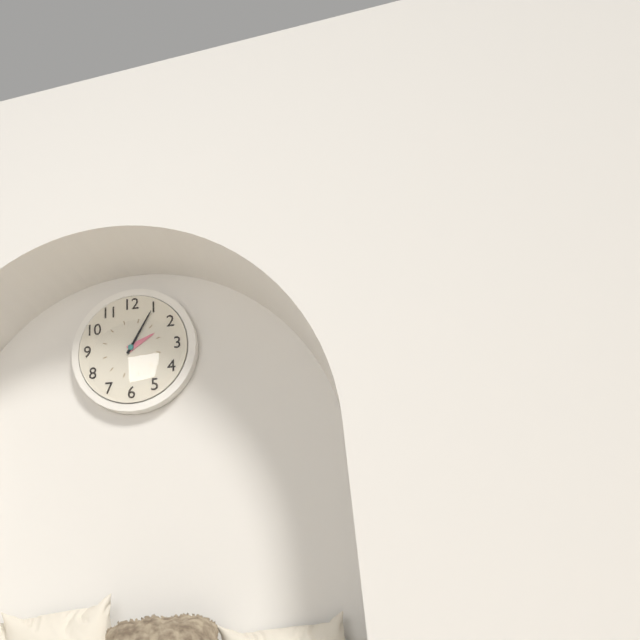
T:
**2:05**
